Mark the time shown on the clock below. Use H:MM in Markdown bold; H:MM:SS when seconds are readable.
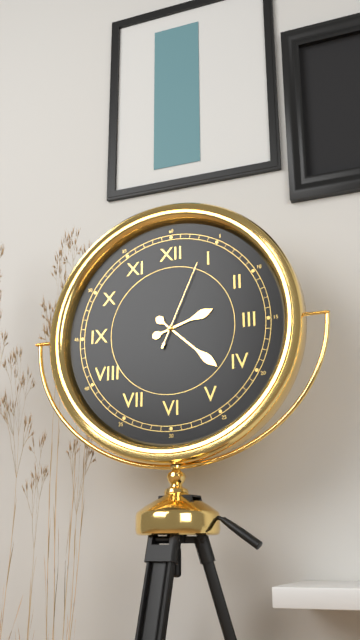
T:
**2:22:04**
